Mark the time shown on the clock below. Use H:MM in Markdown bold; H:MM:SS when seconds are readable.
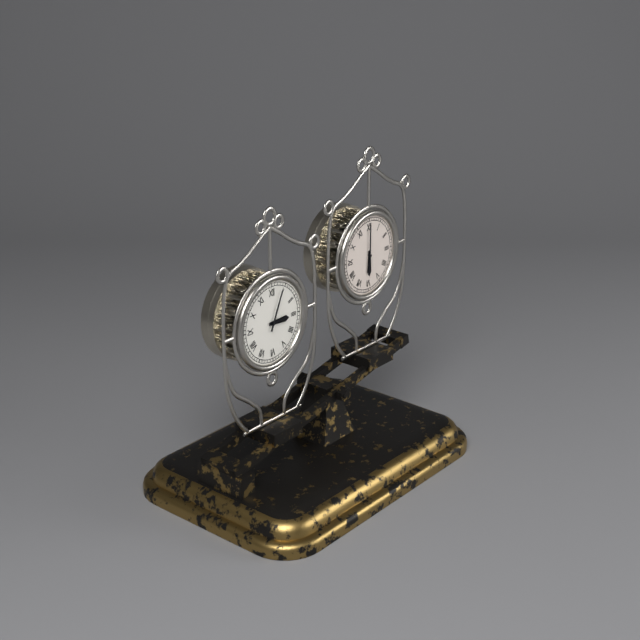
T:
**3:04**
